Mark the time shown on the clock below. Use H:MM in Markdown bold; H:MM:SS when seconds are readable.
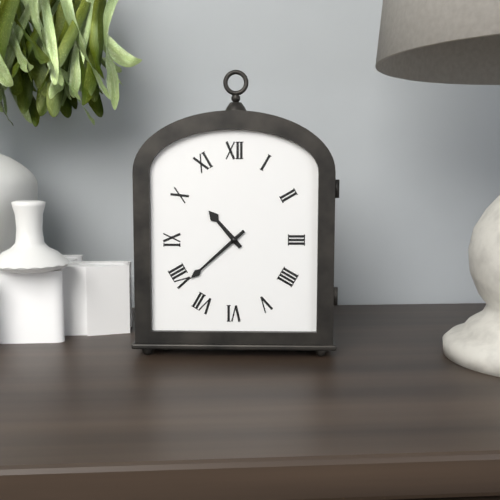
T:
**10:38**
